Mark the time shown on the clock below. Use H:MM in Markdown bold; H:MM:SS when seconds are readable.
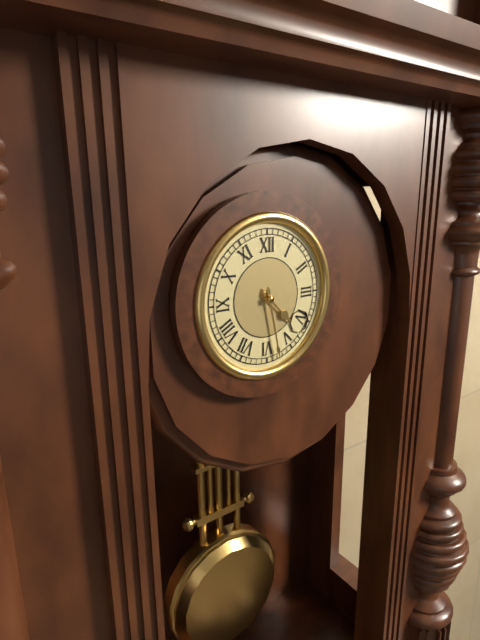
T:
**4:28**
